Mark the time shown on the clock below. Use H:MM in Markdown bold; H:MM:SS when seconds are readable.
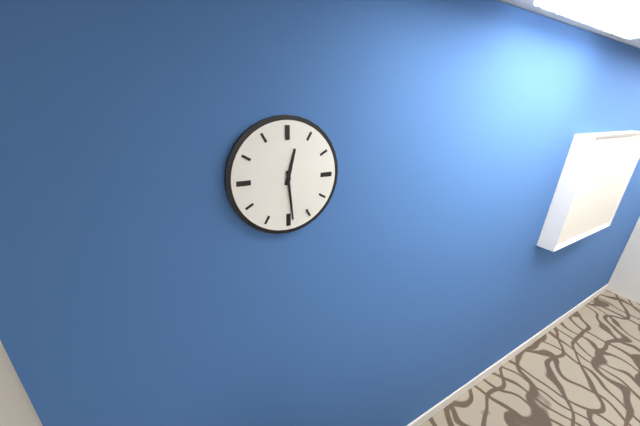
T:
**12:29**
